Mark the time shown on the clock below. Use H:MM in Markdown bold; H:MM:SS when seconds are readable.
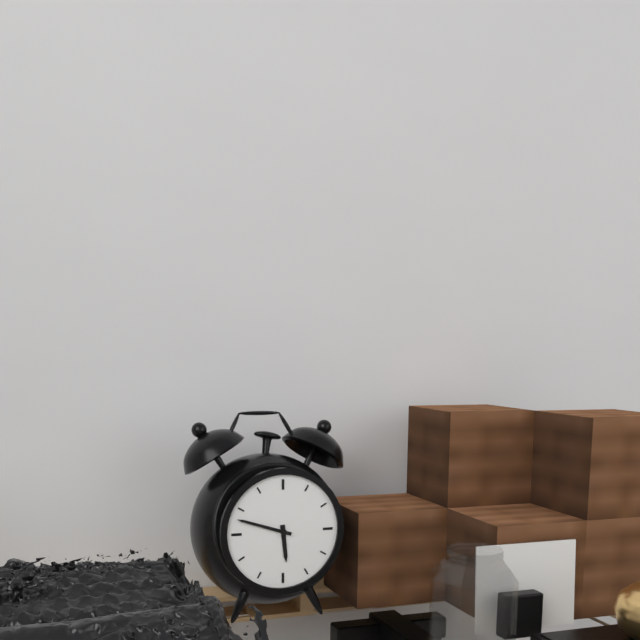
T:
**5:48**
